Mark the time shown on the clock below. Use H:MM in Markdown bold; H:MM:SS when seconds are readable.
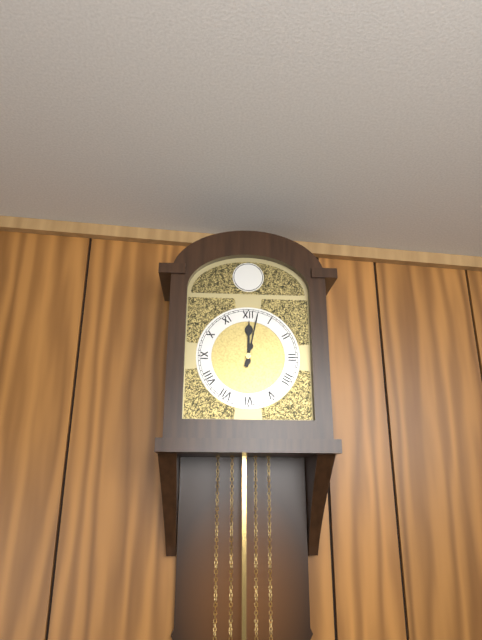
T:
**12:02**
